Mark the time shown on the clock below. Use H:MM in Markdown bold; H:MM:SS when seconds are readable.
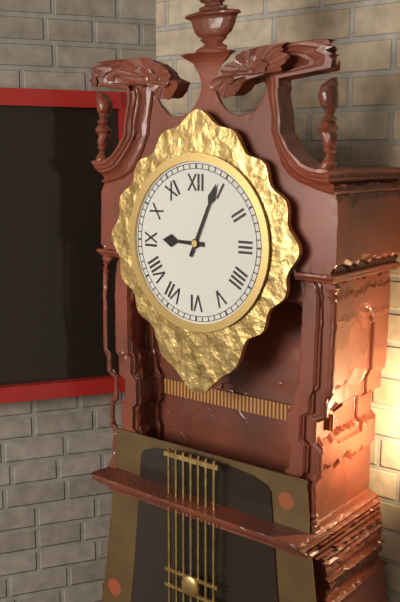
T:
**9:04**
